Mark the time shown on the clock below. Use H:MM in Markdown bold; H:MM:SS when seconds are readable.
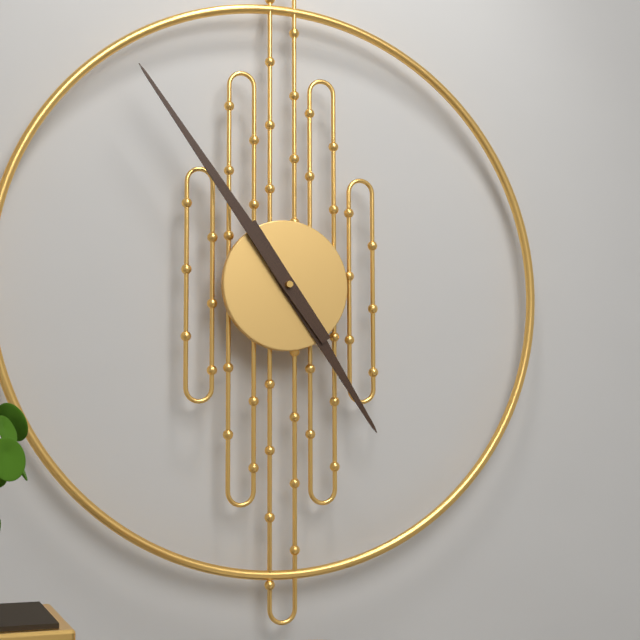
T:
**4:54**
